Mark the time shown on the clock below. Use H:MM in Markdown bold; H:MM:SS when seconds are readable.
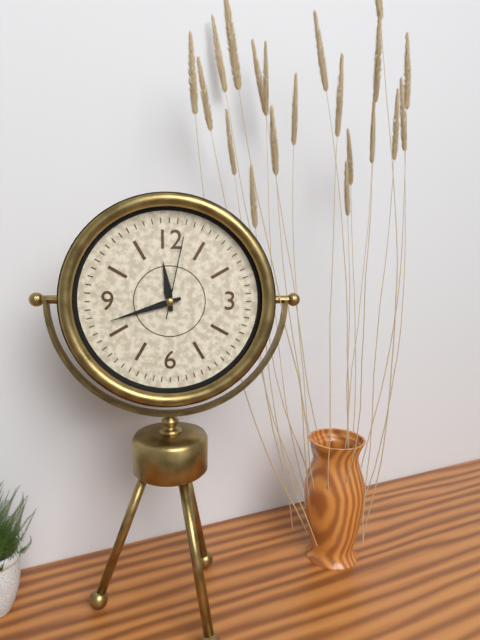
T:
**11:42:02**
